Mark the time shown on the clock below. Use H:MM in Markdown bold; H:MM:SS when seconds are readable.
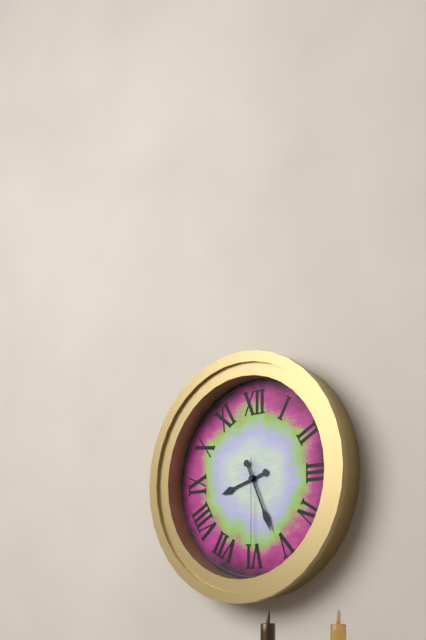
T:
**8:26:30**
